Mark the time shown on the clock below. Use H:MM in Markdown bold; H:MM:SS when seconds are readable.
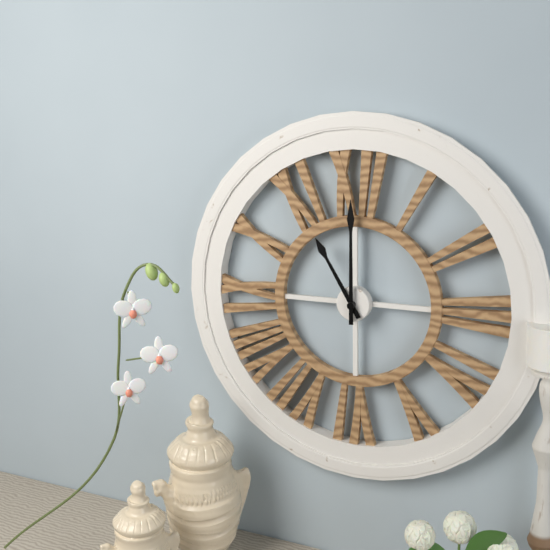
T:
**11:00**
